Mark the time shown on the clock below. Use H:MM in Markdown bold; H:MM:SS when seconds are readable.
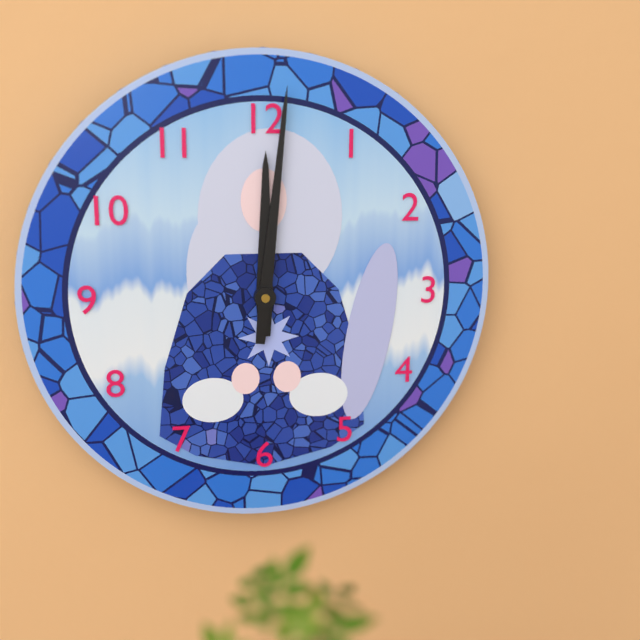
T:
**12:01**
